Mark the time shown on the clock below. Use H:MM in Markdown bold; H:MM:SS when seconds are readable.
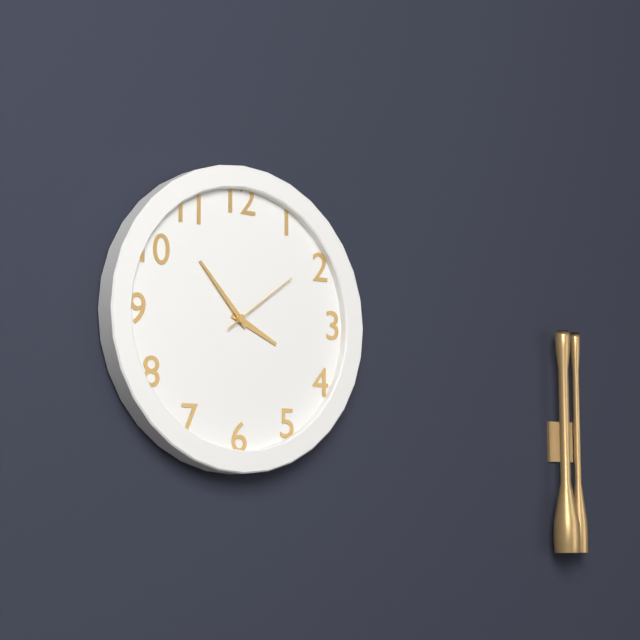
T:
**3:53:09**
